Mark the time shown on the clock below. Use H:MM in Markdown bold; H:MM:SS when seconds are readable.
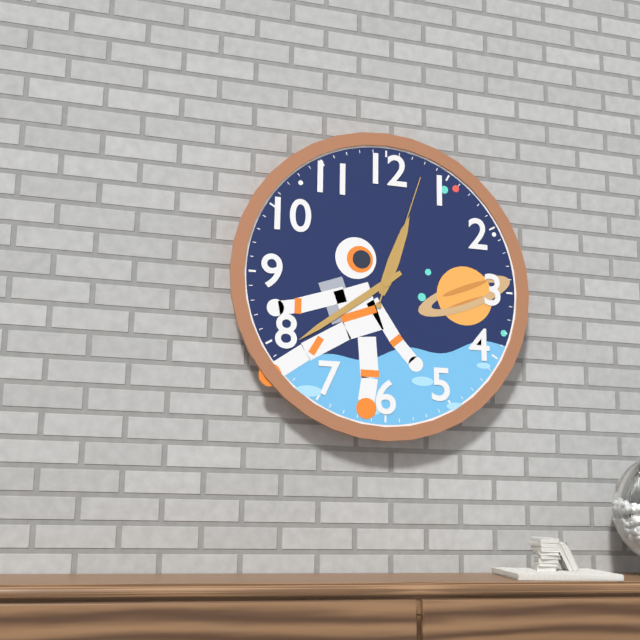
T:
**12:39:03**
